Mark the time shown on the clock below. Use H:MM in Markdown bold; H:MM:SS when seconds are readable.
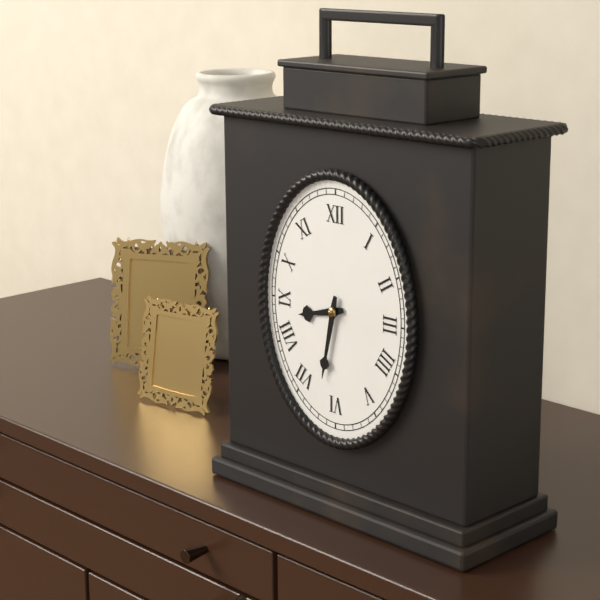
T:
**8:32**
